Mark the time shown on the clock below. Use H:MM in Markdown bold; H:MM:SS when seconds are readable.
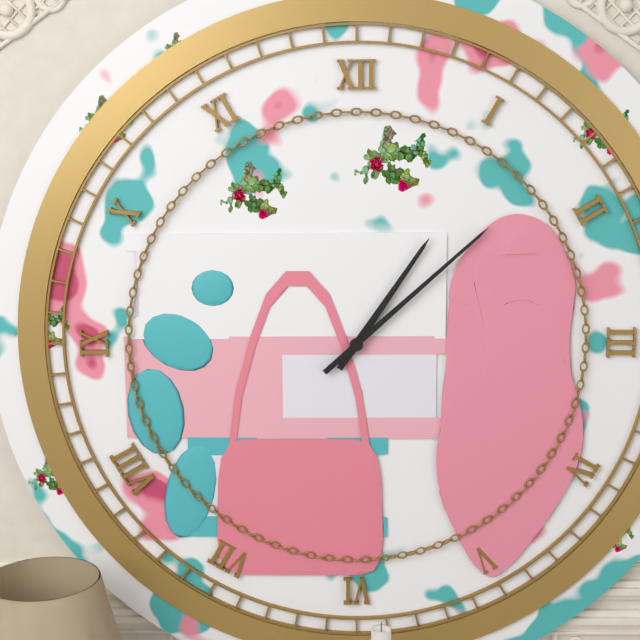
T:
**1:08**
